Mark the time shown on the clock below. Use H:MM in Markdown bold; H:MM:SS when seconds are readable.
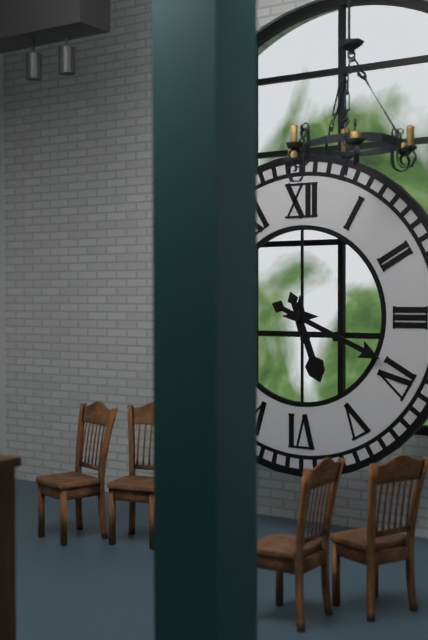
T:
**5:19**
